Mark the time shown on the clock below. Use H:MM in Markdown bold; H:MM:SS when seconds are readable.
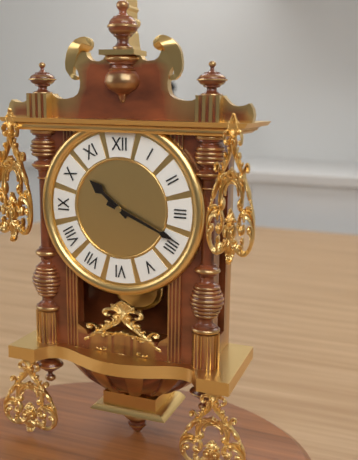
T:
**10:19**
